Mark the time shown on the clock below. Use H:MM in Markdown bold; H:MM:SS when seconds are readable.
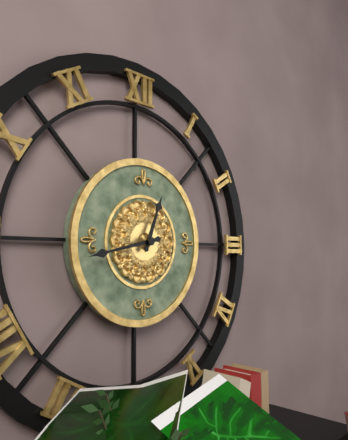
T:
**12:43**
